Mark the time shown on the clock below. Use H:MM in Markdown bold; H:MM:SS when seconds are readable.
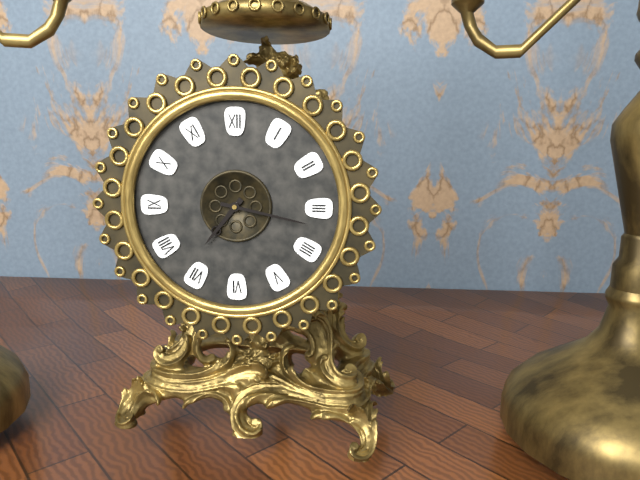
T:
**7:17**
